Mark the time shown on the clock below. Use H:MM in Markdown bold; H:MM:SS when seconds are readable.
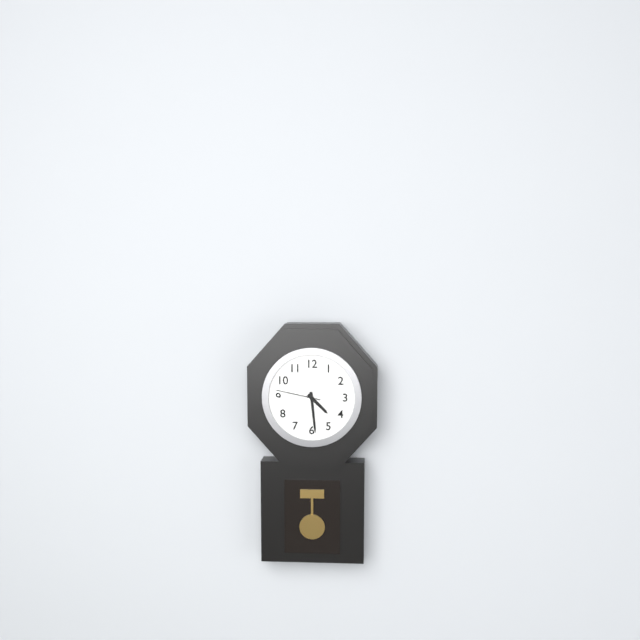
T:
**4:29:47**
